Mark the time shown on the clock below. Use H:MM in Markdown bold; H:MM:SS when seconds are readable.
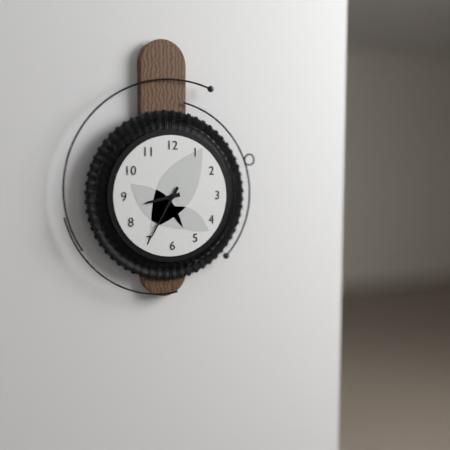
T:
**8:35**
